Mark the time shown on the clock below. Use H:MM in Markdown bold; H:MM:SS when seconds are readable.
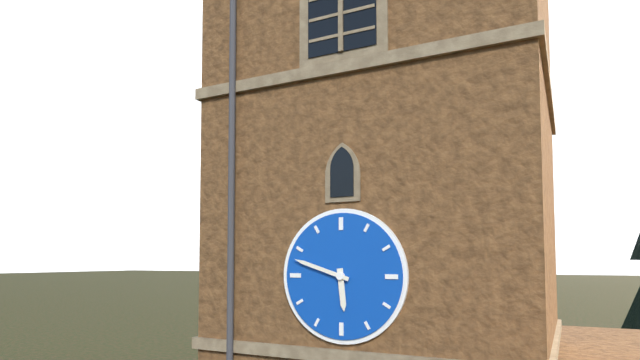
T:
**5:48**
